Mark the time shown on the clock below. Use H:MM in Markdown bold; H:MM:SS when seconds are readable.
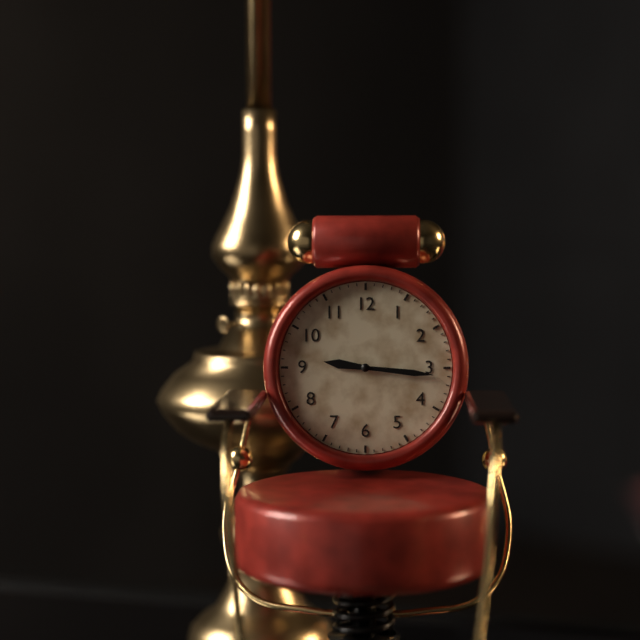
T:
**9:16**
